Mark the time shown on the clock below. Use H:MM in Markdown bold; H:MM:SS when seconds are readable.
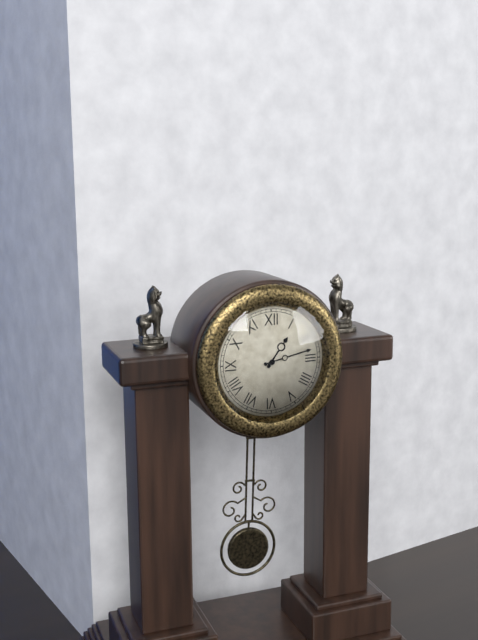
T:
**1:13**
